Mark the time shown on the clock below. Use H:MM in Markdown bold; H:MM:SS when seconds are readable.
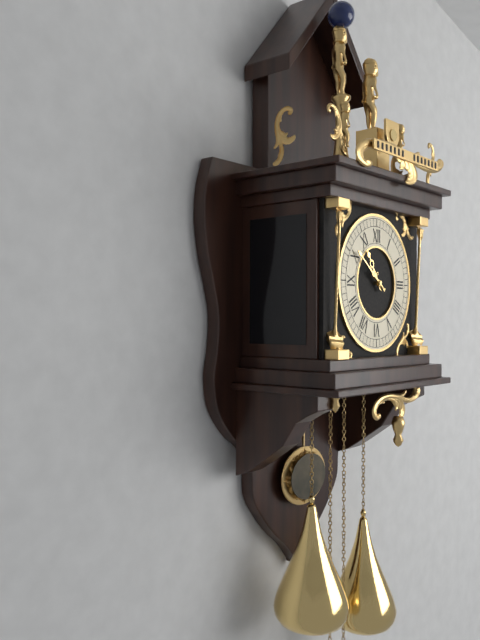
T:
**10:51**
